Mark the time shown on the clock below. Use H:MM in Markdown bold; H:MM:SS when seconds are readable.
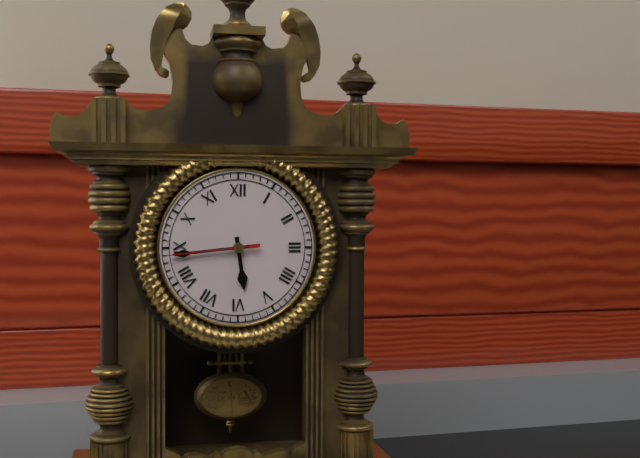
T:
**5:44:44**
